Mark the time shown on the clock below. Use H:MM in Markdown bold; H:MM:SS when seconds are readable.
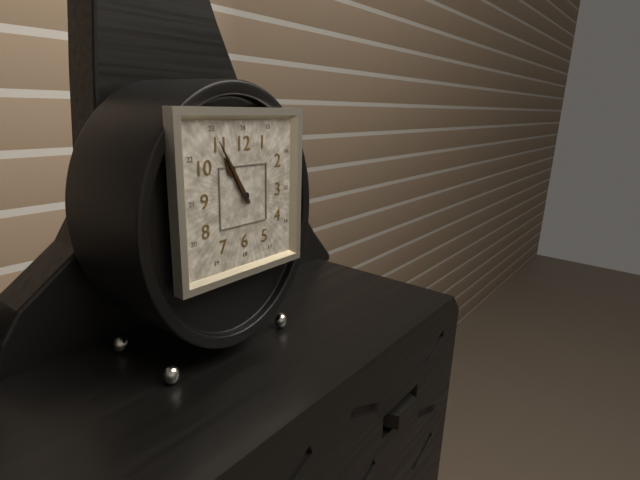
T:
**10:55**
